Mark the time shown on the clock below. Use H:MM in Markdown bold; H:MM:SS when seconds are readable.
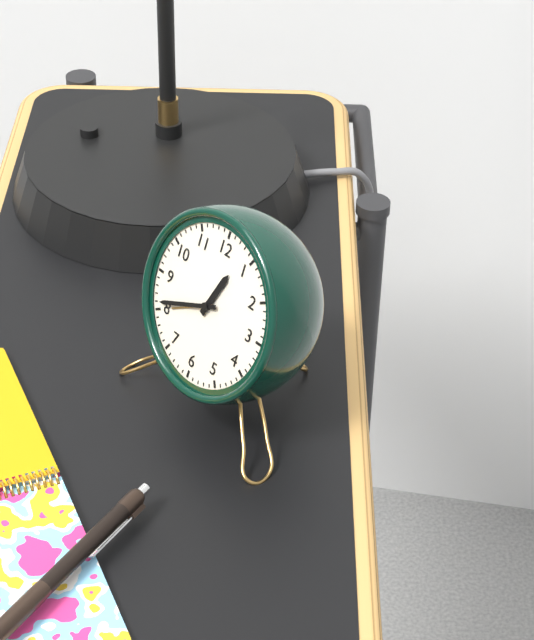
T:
**12:41**
